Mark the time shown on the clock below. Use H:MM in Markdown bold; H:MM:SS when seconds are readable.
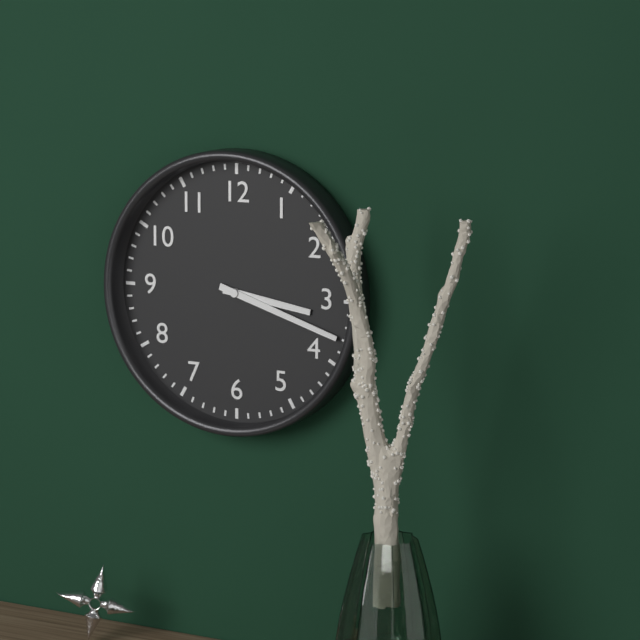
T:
**3:18**
